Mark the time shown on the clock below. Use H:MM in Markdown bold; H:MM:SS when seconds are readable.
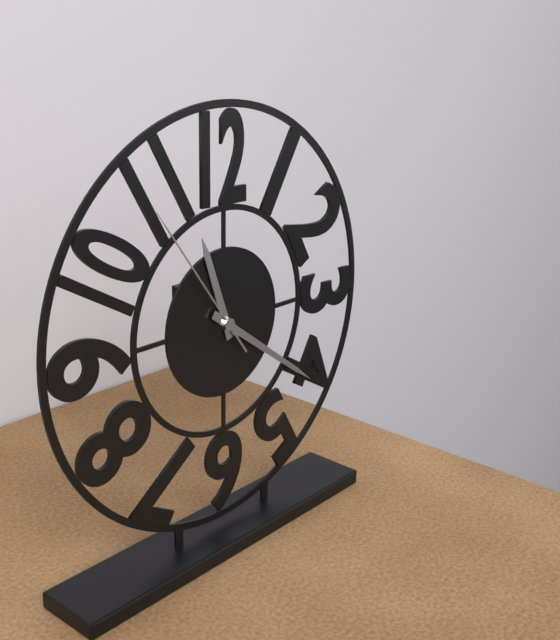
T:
**11:21:54**
